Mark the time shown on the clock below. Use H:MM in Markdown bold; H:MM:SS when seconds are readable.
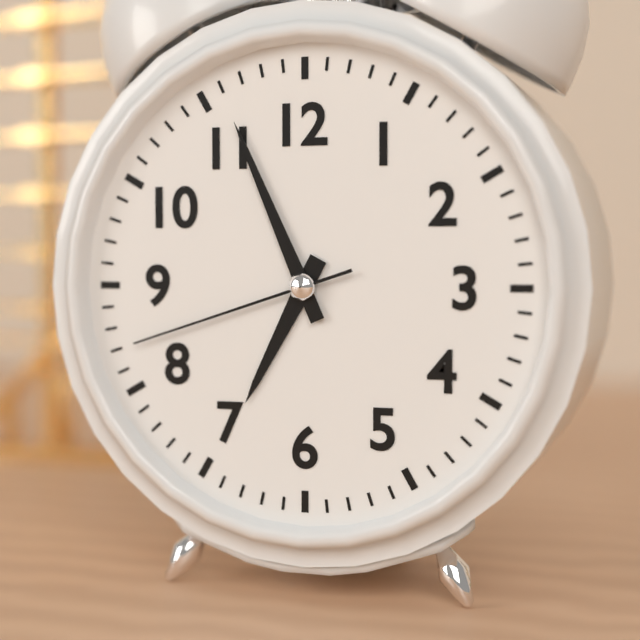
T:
**6:56:42**
